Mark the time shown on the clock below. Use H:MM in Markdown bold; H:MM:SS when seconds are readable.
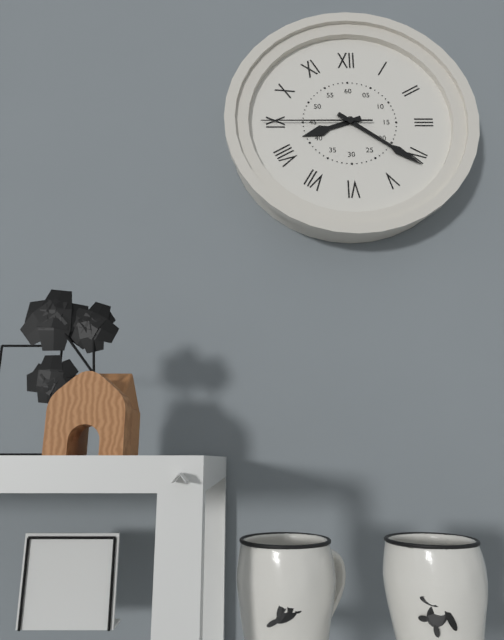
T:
**8:21:45**
